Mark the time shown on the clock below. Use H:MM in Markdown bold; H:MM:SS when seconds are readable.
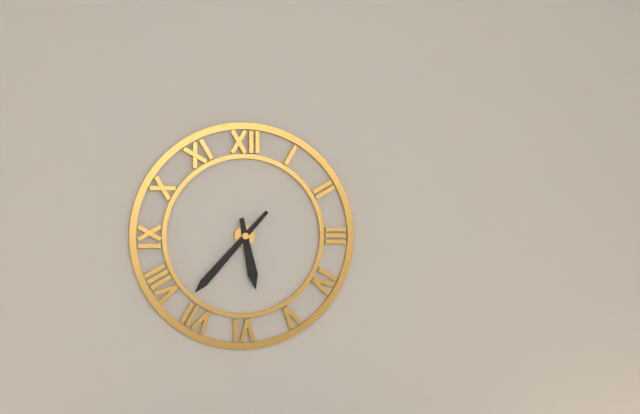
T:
**5:37**
